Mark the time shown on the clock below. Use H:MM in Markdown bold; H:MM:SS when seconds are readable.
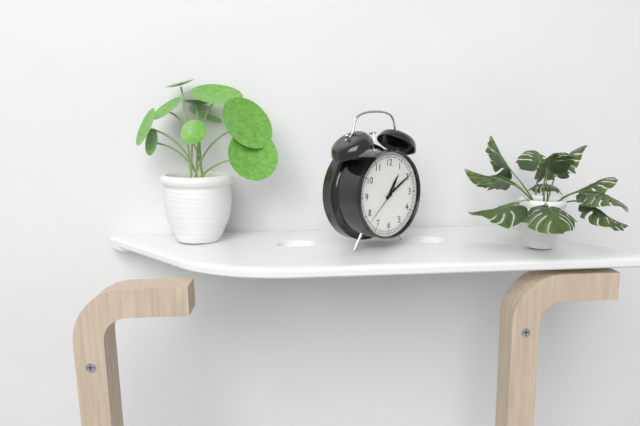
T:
**1:10**
